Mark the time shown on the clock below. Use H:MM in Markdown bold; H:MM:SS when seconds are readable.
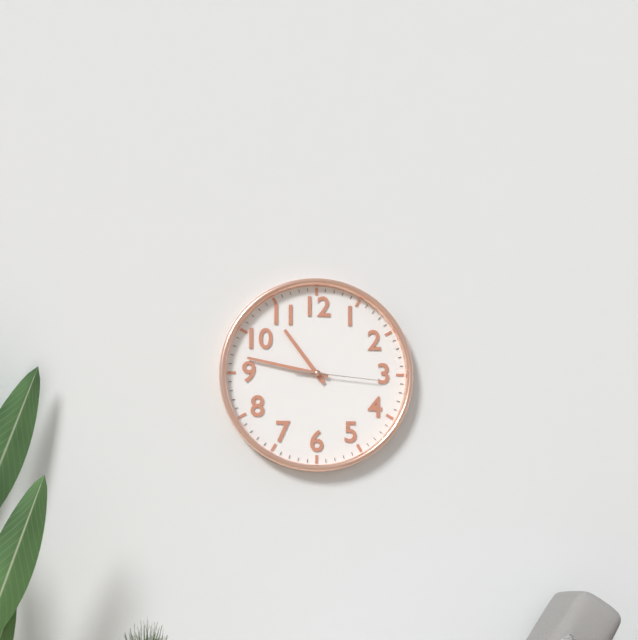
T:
**10:47:16**
